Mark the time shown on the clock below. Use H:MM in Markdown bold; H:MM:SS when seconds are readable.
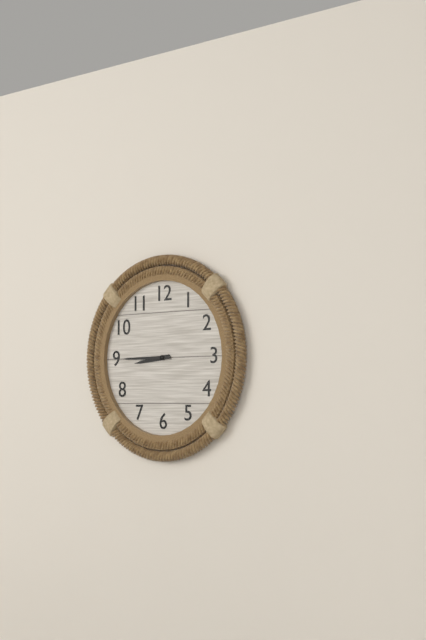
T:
**8:45**
